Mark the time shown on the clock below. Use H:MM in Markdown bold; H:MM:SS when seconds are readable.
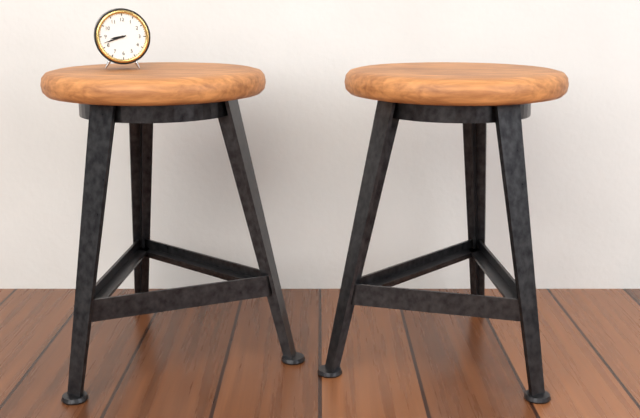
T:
**8:42**
